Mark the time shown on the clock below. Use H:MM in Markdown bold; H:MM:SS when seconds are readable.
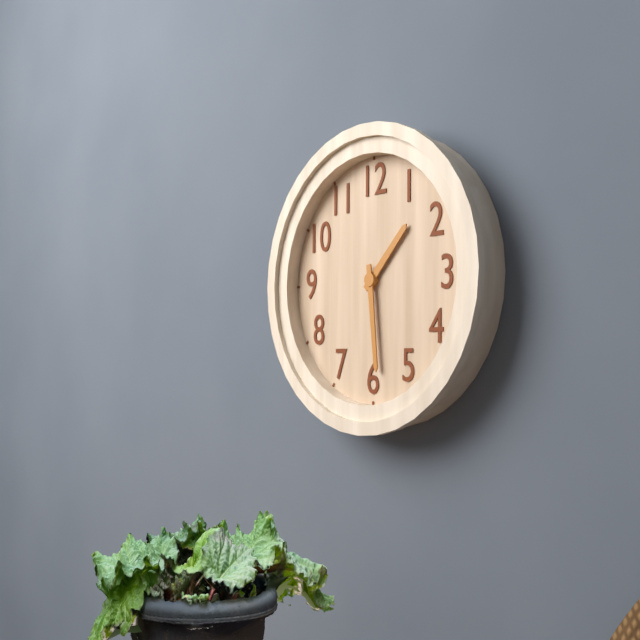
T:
**1:29**
